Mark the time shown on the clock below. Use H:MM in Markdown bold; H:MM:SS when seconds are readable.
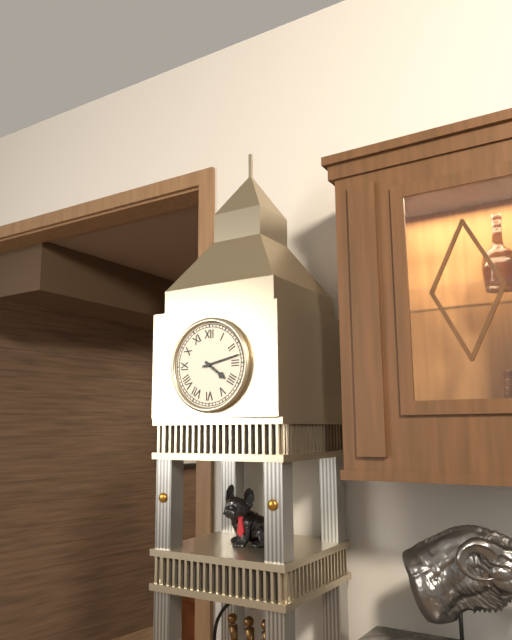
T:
**4:13**
